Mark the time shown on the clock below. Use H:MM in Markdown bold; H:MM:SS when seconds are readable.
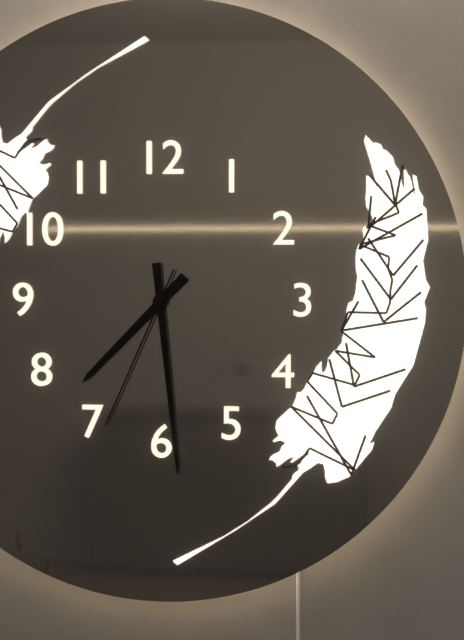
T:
**7:29:34**
